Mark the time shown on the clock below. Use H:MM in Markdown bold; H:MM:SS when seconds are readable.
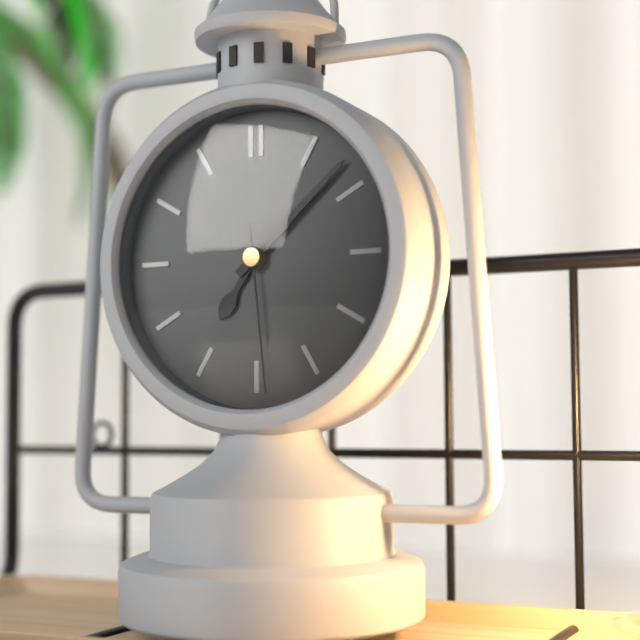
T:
**7:08:29**
